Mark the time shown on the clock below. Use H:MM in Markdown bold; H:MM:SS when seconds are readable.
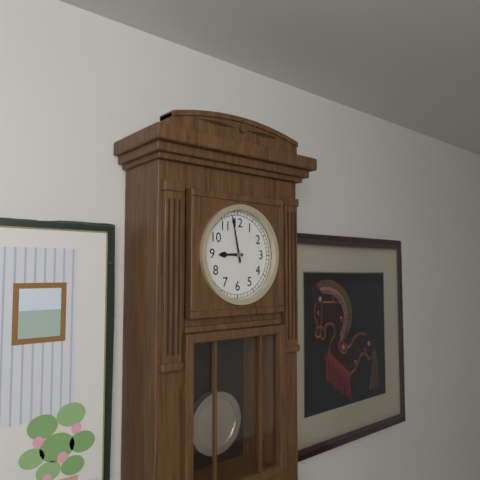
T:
**8:58**
